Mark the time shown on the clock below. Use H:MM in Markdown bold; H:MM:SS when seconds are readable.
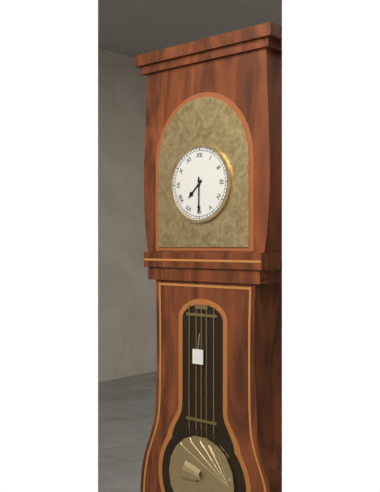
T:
**7:30**
